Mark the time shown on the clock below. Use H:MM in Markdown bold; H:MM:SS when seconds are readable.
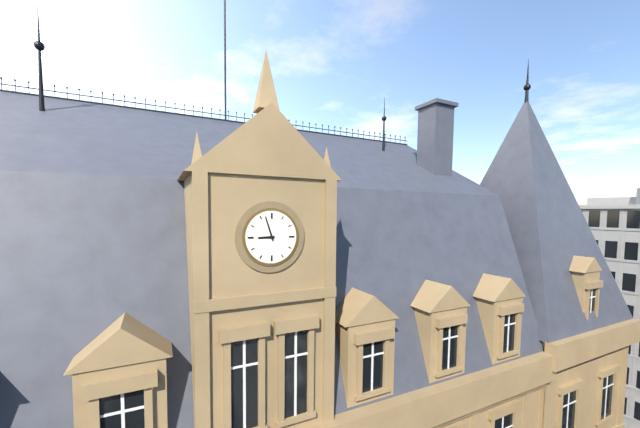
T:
**8:57**
